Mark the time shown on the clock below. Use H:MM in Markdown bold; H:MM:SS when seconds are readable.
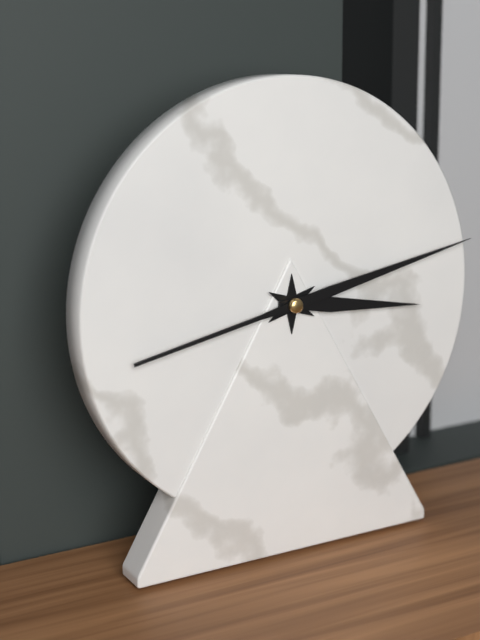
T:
**3:13**
